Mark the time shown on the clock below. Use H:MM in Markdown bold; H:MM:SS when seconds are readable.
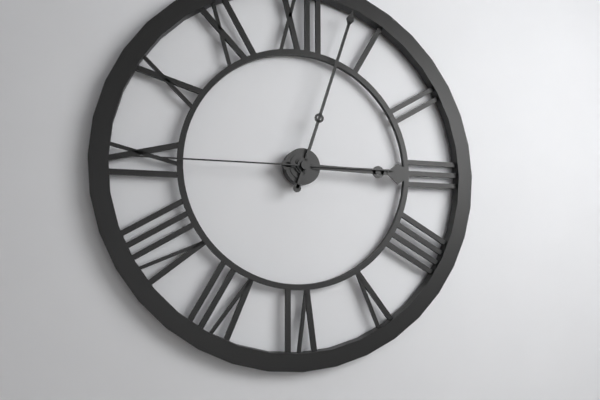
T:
**3:03:45**
